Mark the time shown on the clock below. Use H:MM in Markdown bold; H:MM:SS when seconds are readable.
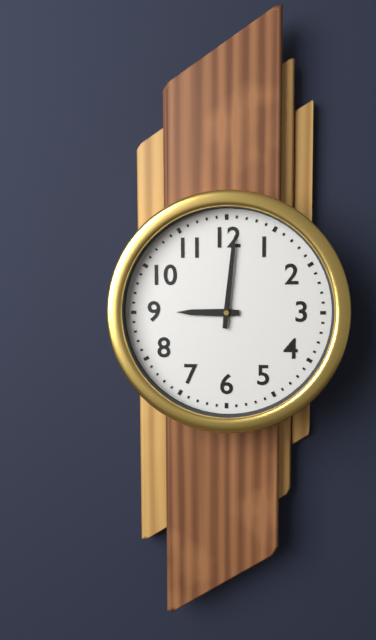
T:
**9:01**
